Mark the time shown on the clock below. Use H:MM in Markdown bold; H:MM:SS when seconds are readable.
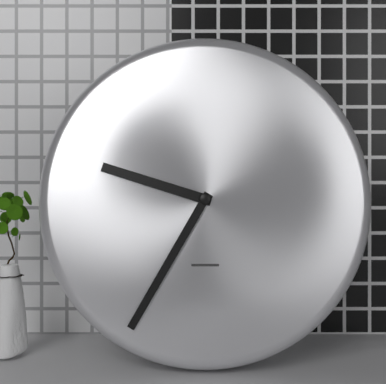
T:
**9:35**
